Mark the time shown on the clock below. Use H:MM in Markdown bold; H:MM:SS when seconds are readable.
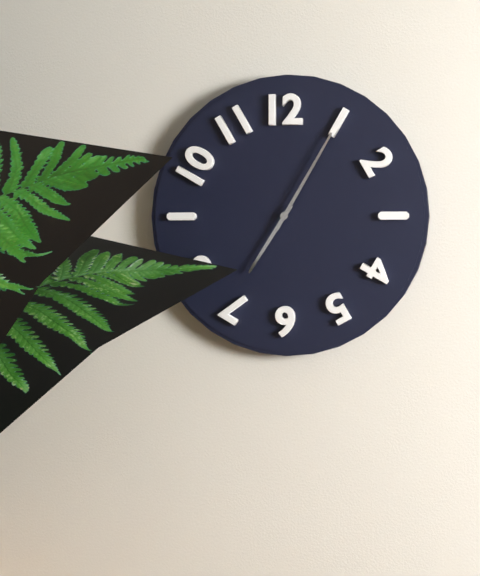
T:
**7:05**
